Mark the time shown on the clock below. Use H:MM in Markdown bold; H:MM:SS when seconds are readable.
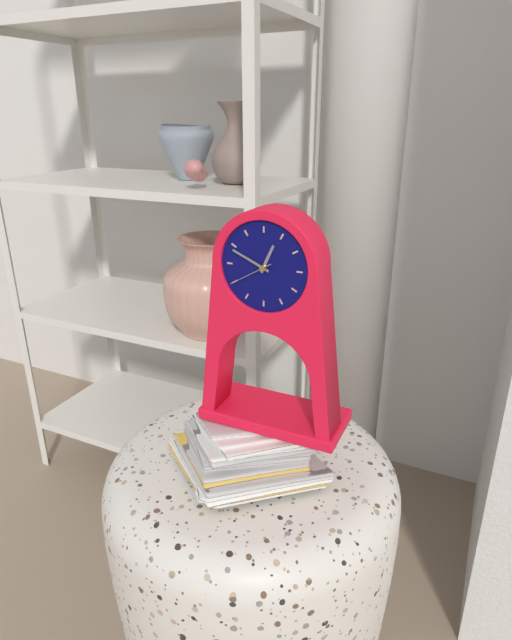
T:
**12:49**
